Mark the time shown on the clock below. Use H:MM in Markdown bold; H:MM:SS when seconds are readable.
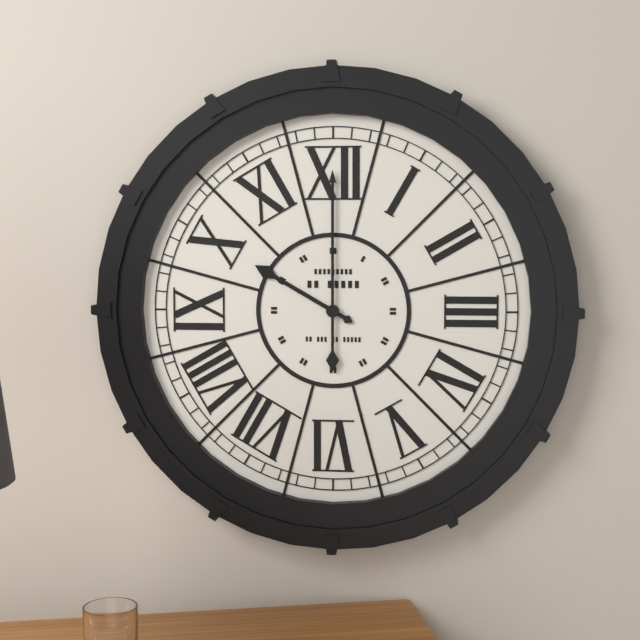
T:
**10:00**
